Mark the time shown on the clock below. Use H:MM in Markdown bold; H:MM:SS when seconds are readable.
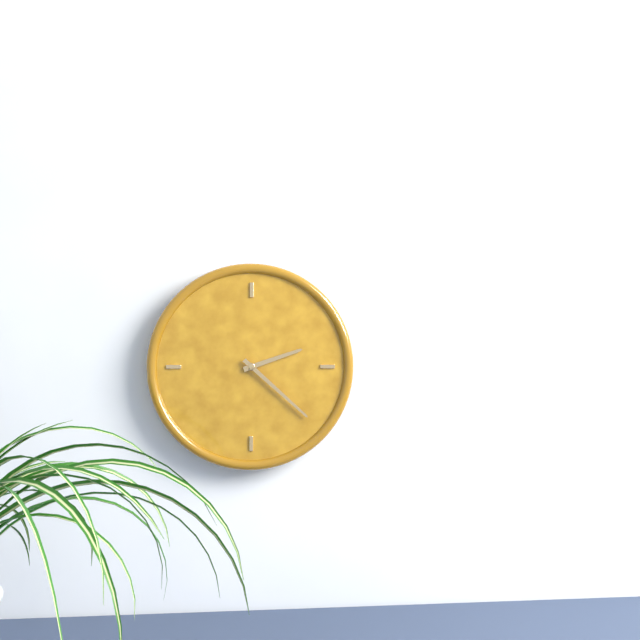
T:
**2:22**
